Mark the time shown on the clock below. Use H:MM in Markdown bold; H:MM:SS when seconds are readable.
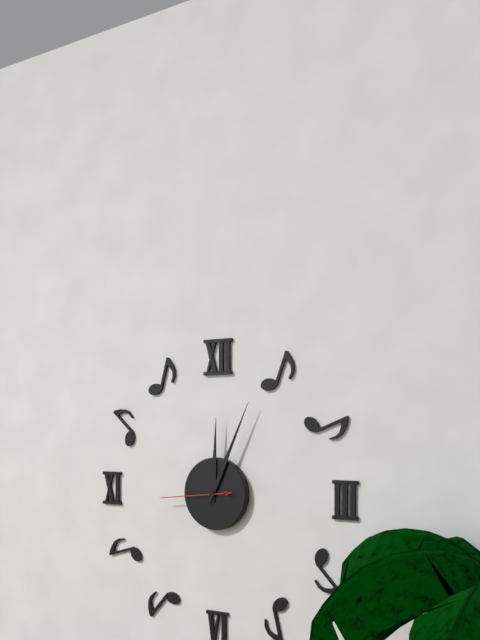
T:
**12:04:44**
